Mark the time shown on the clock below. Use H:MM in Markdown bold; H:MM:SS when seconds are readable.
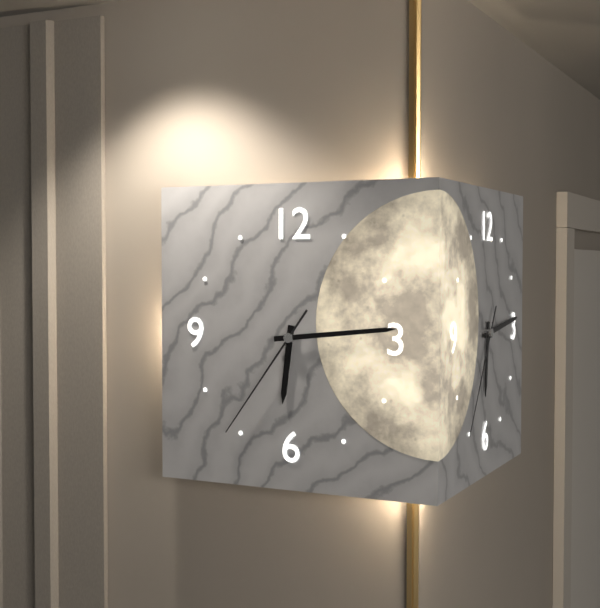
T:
**6:14:36**
